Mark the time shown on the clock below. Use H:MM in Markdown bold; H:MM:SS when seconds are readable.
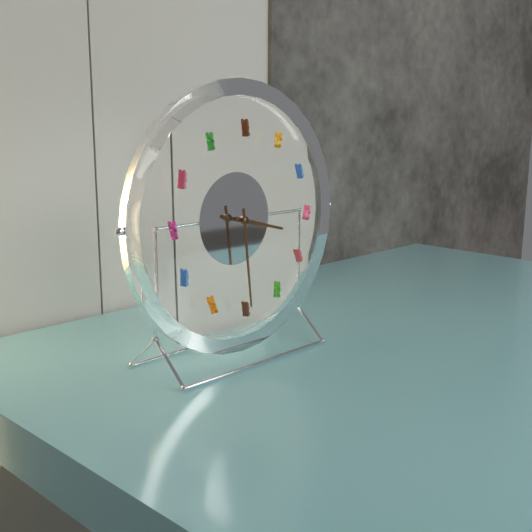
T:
**3:29**
